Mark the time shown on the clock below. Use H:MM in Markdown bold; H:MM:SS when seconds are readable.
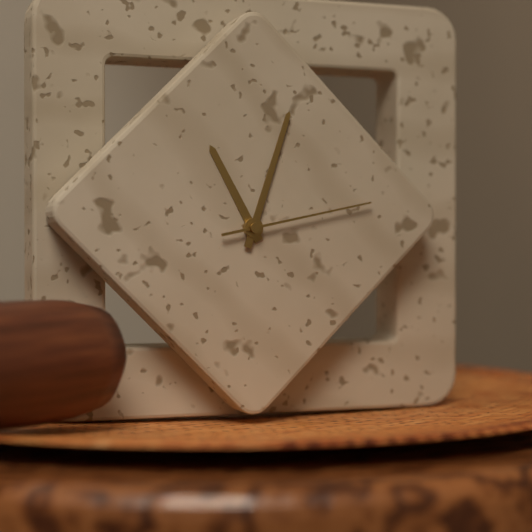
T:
**11:03:13**
